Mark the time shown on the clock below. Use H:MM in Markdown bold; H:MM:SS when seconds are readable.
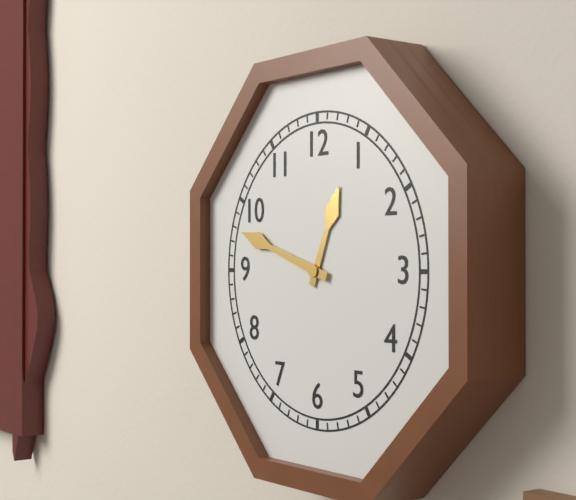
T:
**12:48**
